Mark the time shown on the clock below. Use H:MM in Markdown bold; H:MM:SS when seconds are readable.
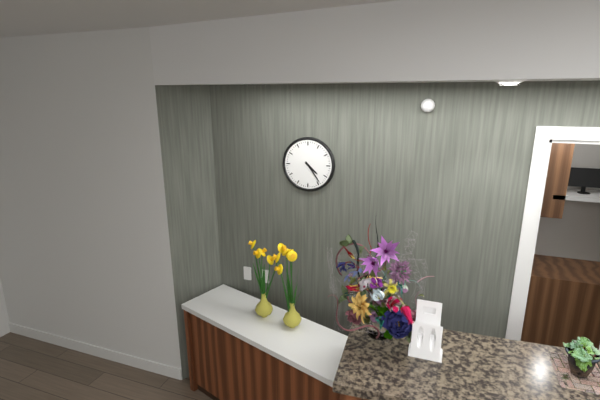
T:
**4:24**
